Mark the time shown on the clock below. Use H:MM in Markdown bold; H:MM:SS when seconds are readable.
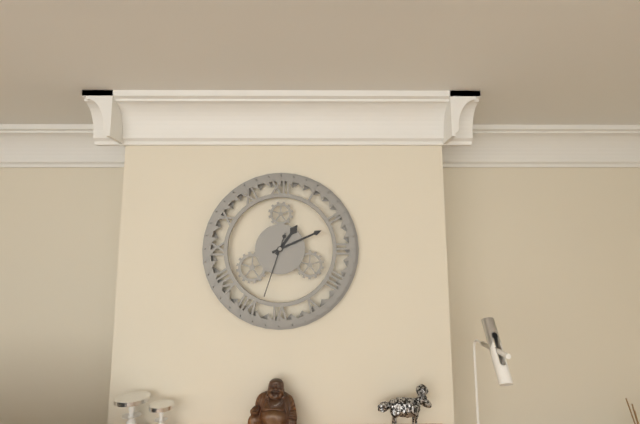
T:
**1:11:33**
